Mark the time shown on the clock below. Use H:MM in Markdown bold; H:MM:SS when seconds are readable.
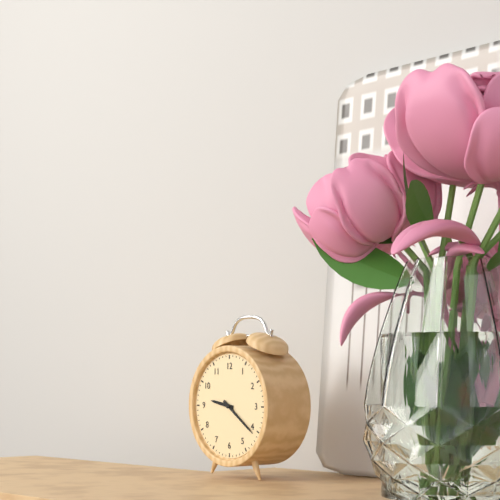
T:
**9:21**
